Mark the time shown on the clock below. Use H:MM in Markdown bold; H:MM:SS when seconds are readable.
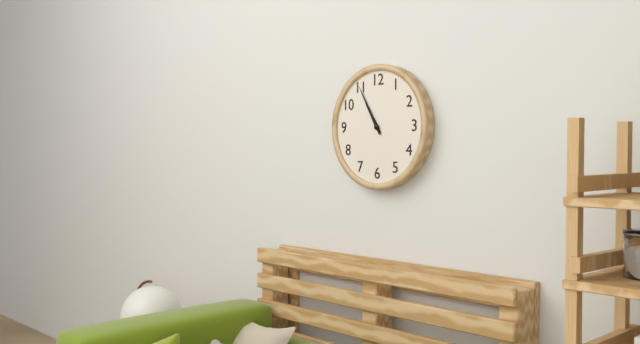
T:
**10:55**
